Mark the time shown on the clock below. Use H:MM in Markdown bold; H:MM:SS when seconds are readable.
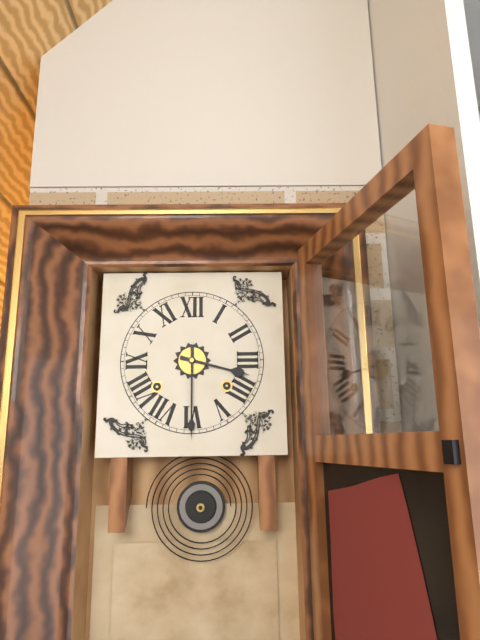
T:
**3:30**
